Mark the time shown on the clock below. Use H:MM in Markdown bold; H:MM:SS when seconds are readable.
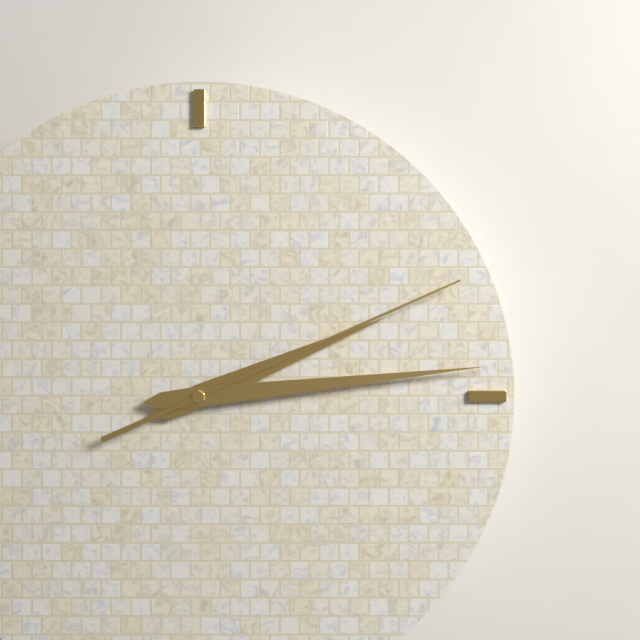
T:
**2:14:11**
